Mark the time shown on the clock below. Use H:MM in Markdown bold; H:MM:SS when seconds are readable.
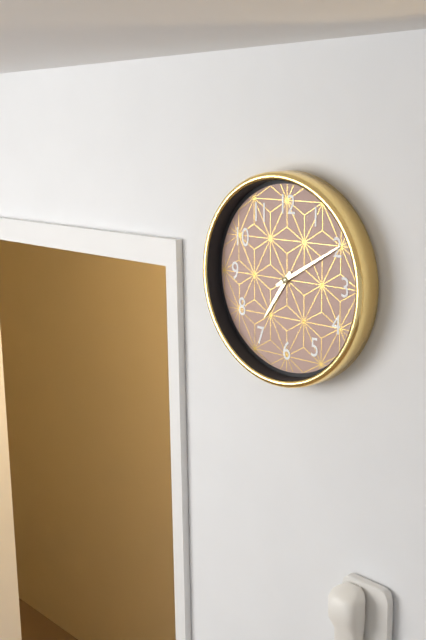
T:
**7:10**
